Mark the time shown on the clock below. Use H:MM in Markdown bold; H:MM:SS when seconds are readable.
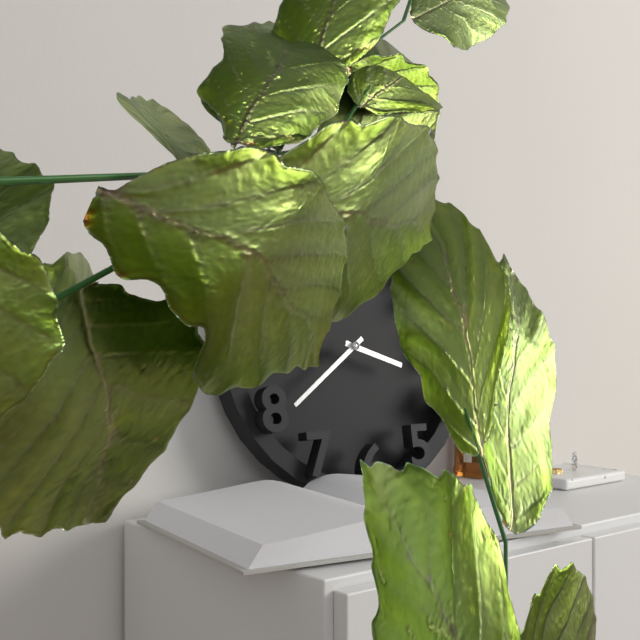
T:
**3:39**
